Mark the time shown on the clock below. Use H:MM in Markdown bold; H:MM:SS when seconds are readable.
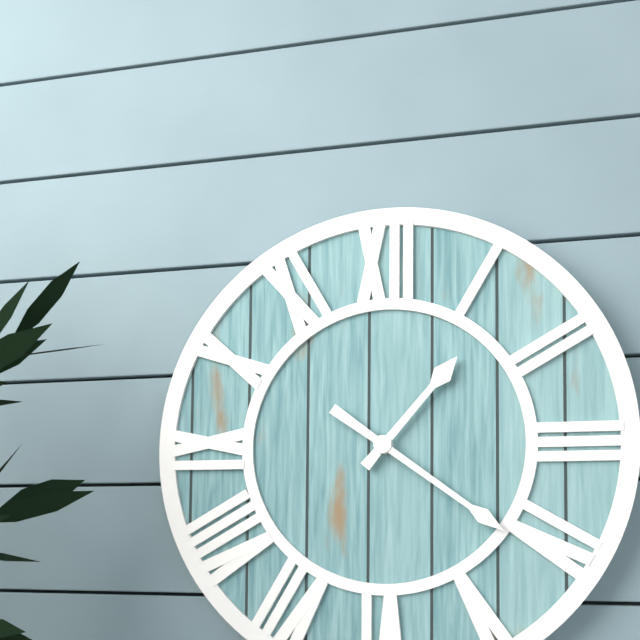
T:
**1:21**
